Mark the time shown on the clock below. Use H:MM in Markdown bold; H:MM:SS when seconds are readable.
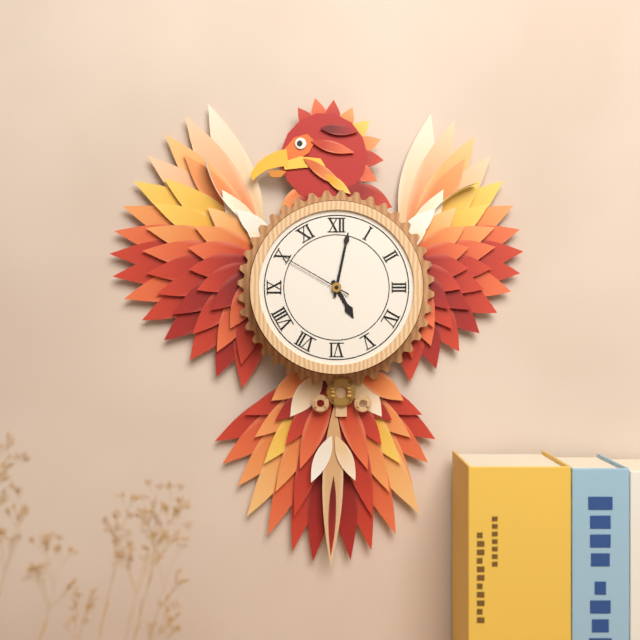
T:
**5:02:50**
